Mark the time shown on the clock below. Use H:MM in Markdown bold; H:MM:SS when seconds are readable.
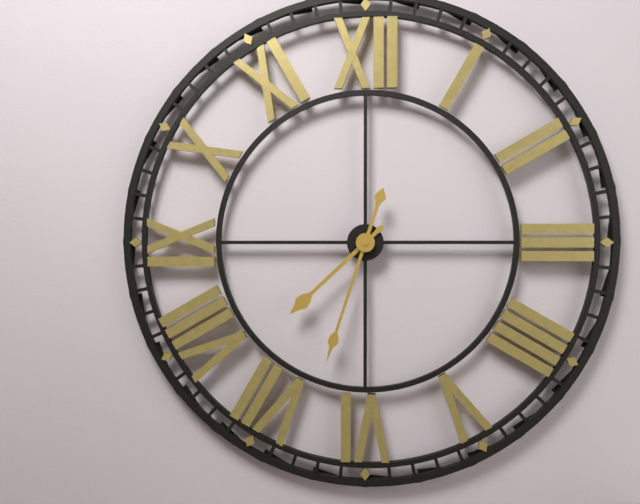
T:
**7:33**
